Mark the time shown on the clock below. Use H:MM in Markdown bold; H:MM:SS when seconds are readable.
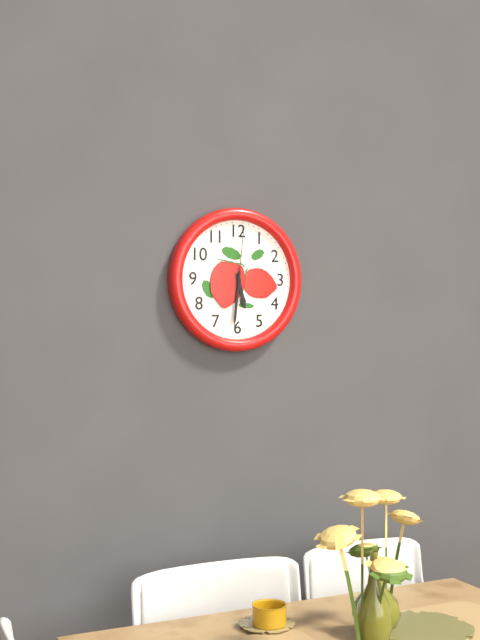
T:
**5:31:01**
